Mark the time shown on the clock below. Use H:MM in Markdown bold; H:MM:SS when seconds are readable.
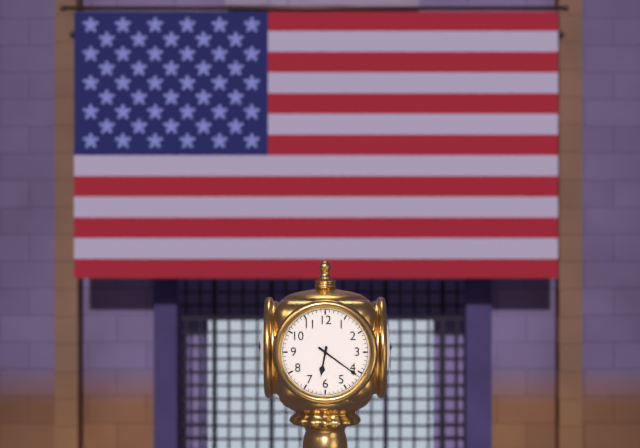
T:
**6:21**
